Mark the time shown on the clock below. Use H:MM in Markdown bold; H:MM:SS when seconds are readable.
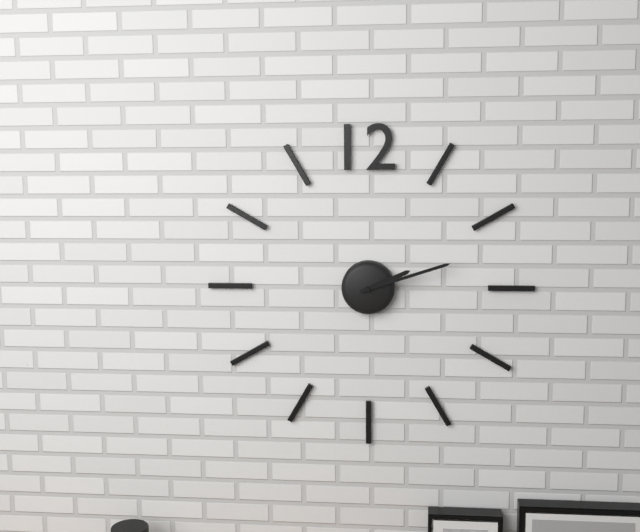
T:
**2:12**
